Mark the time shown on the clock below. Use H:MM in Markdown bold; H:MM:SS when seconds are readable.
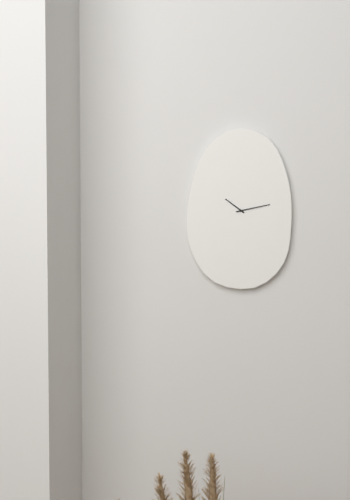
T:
**10:13**
